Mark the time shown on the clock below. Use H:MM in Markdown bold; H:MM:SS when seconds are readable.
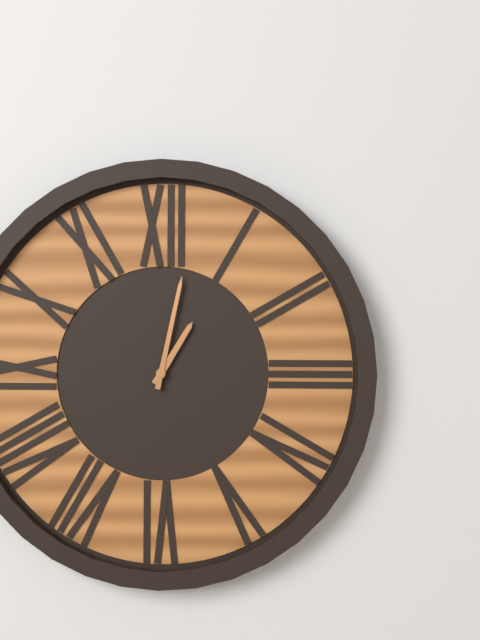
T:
**1:02**
